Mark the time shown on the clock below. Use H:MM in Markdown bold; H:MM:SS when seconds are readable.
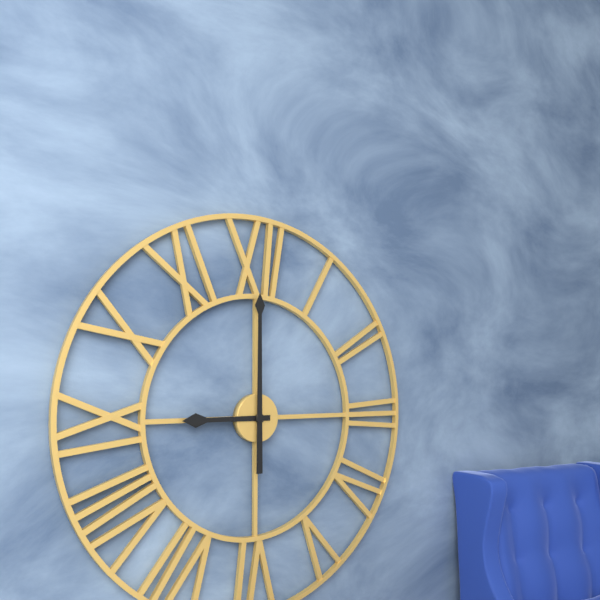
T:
**9:00**
